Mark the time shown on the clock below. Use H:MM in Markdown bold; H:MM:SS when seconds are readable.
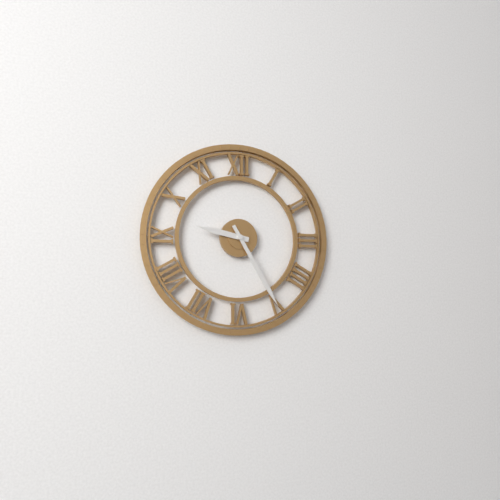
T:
**9:25**
